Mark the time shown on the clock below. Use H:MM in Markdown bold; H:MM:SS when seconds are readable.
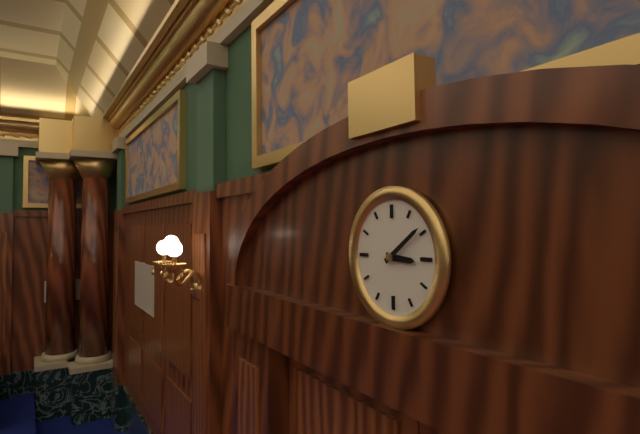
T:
**3:09**
